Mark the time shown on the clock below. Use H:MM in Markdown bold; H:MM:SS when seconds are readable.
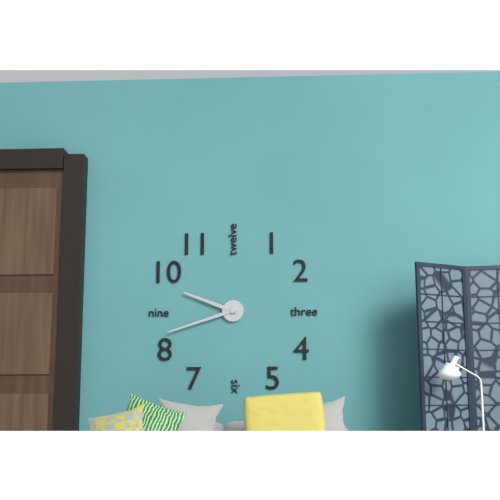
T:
**9:42**
